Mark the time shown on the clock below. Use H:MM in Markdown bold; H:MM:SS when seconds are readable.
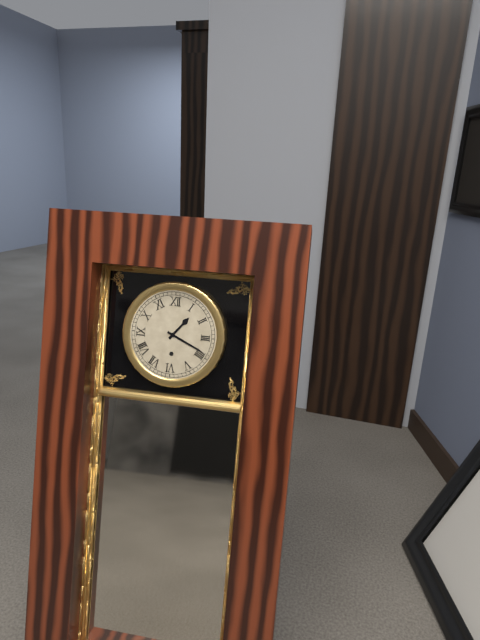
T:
**1:19**
